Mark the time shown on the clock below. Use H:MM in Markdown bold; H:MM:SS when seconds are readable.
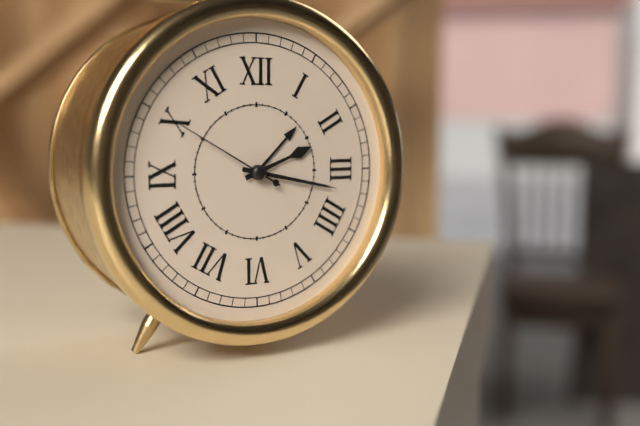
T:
**2:17:50**
